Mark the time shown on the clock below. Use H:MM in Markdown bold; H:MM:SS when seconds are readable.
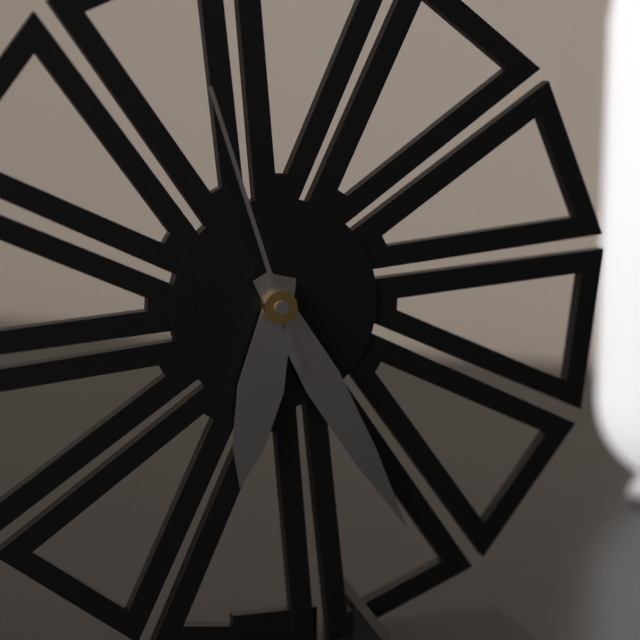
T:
**6:25:57**
